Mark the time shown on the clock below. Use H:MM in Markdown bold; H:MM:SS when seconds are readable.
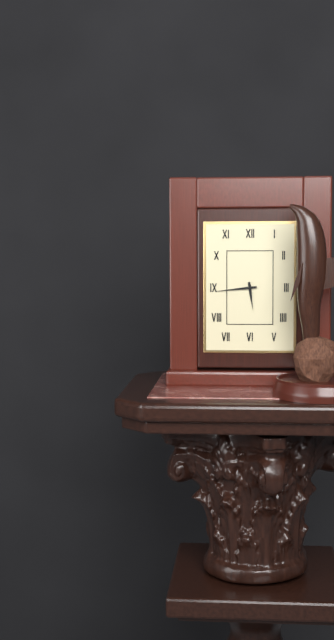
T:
**5:44**
